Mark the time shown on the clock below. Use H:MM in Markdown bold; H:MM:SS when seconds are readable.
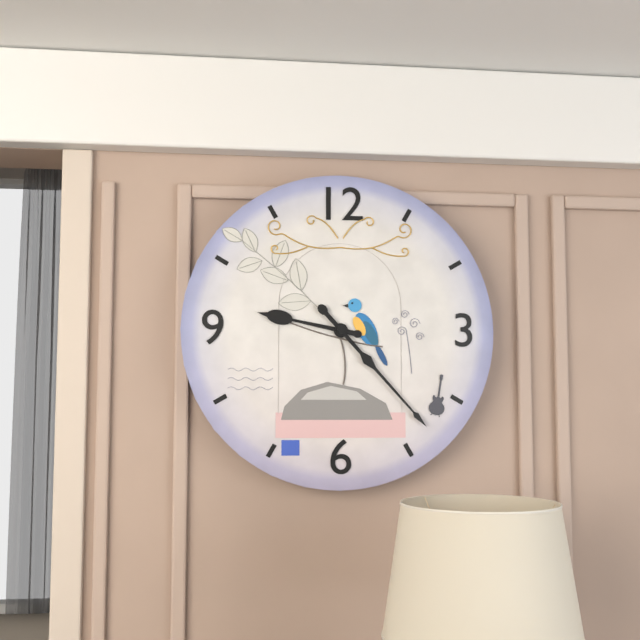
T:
**9:23**
